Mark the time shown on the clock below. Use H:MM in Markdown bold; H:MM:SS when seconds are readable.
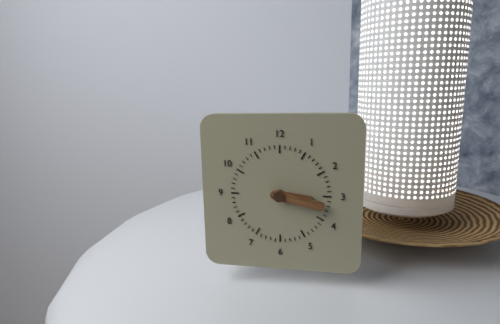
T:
**3:17**
